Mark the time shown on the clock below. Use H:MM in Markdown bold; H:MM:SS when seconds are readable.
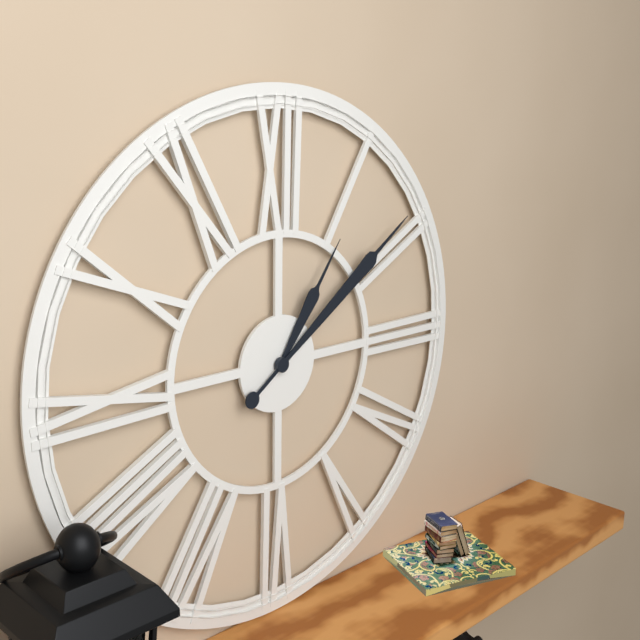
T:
**1:09**
